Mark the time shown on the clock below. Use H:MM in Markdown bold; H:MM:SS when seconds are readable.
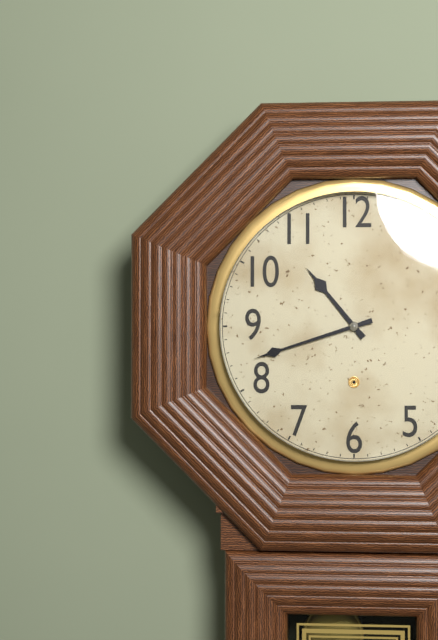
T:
**10:42**
